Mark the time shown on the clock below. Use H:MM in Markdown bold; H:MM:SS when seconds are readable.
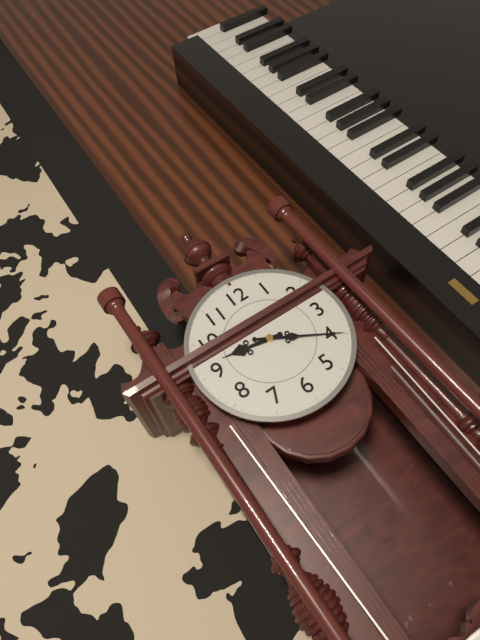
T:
**9:20**
